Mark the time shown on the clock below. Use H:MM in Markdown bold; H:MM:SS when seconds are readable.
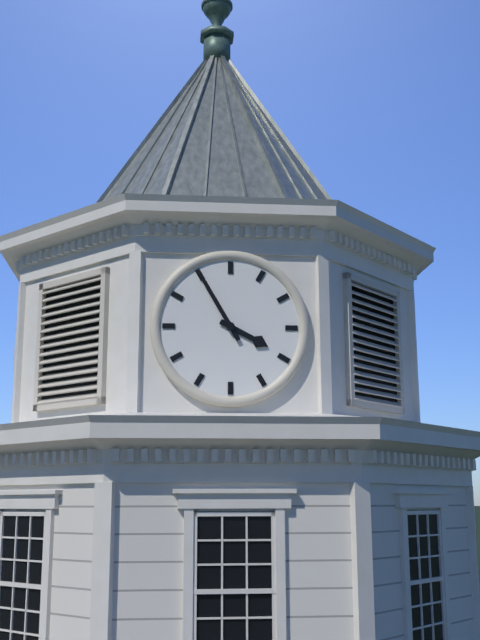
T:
**3:55**
